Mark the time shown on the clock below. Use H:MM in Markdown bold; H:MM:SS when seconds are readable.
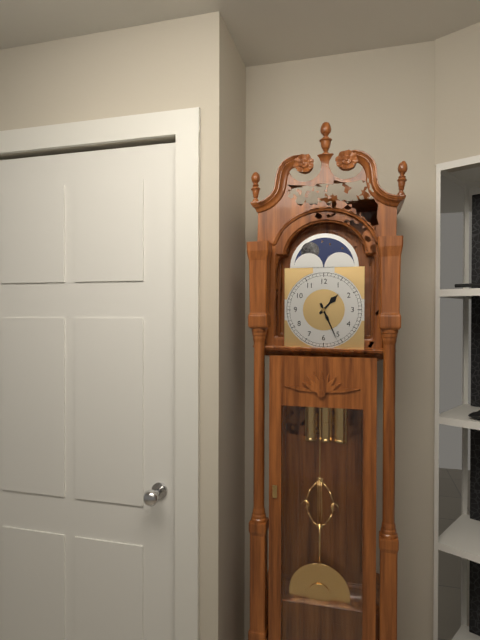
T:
**1:26**
